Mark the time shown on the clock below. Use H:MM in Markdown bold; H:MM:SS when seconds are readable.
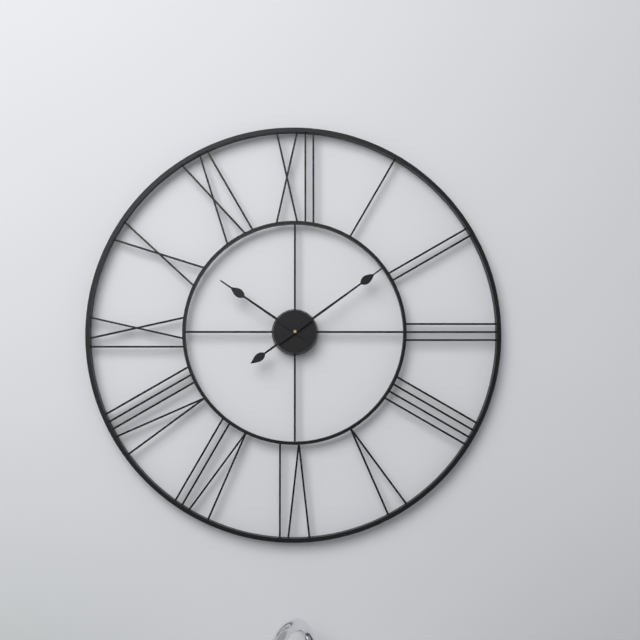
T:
**10:09**
